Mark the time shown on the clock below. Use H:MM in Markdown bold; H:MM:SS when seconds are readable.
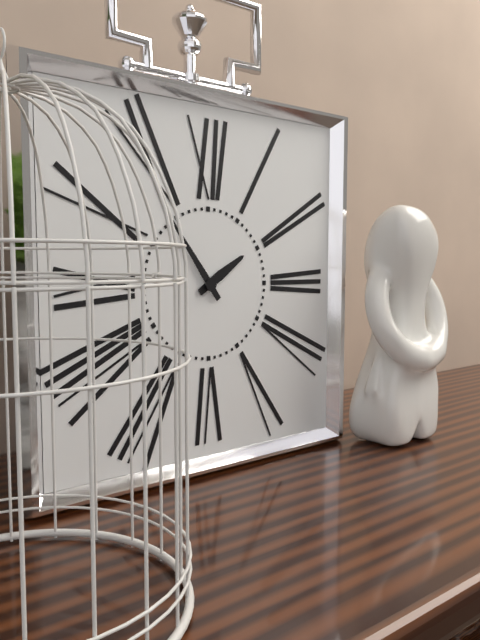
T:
**1:54**
